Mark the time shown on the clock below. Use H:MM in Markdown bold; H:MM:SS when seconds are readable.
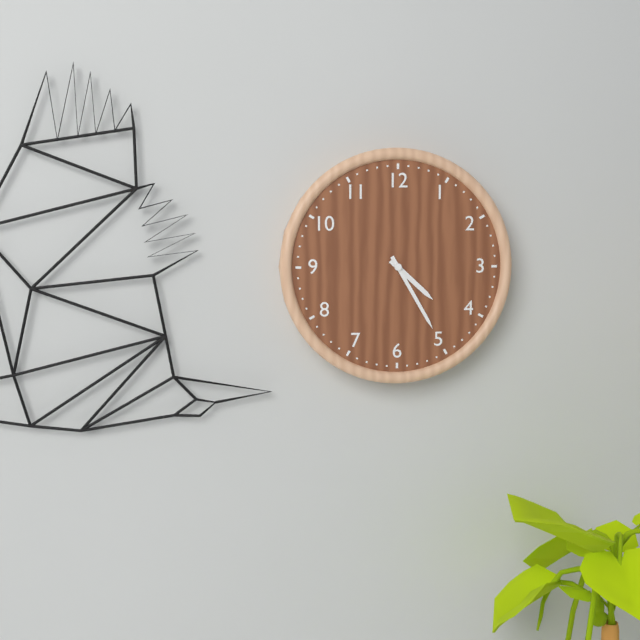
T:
**4:25**
